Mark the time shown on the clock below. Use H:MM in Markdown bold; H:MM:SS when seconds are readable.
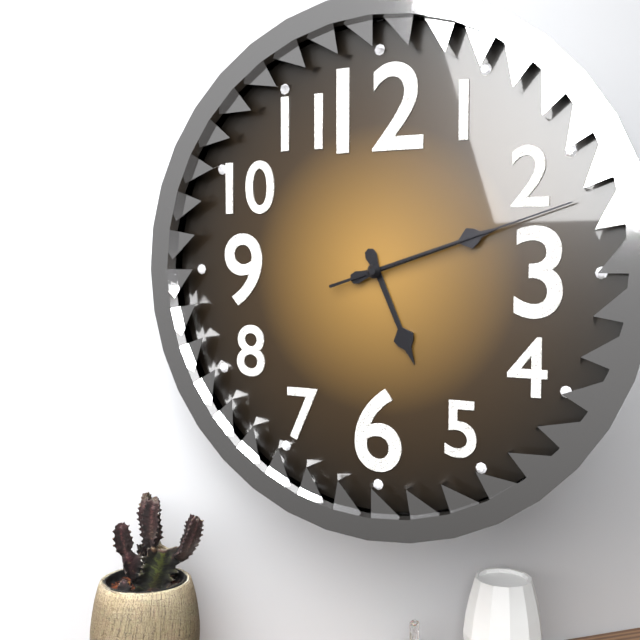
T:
**5:12:12**
